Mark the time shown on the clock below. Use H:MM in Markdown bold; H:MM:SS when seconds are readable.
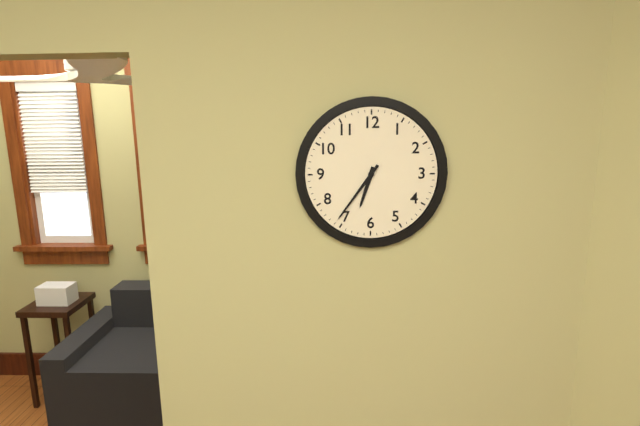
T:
**6:36**
